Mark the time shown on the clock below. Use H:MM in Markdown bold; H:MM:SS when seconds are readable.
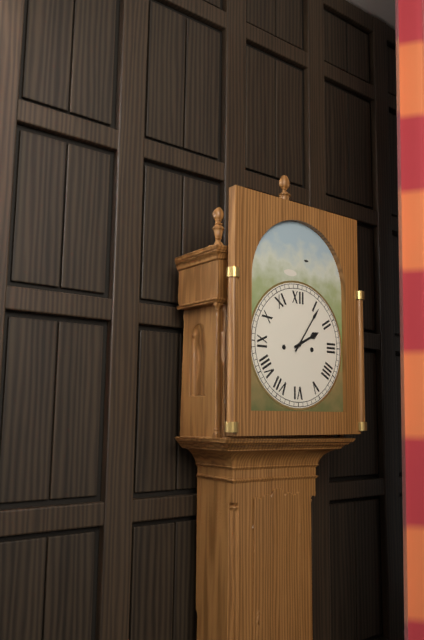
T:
**2:06**
